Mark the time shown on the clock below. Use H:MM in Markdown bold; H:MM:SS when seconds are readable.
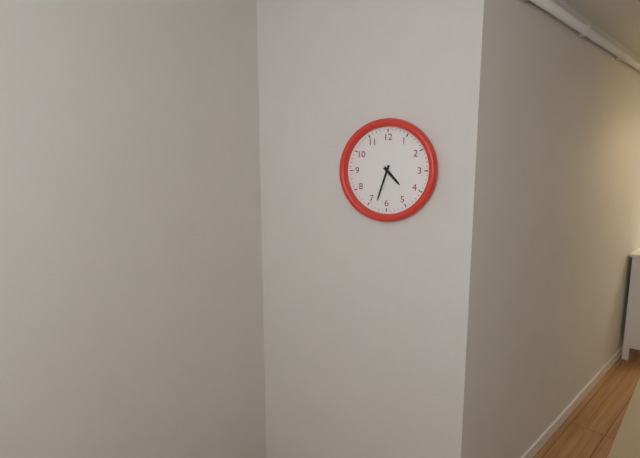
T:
**4:33**
